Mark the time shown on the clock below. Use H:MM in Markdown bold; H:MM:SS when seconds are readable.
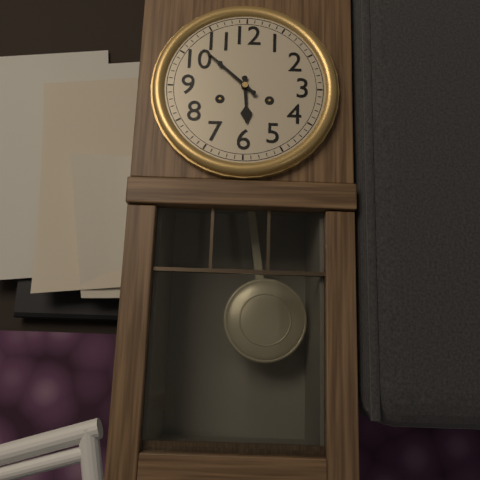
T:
**5:52**
